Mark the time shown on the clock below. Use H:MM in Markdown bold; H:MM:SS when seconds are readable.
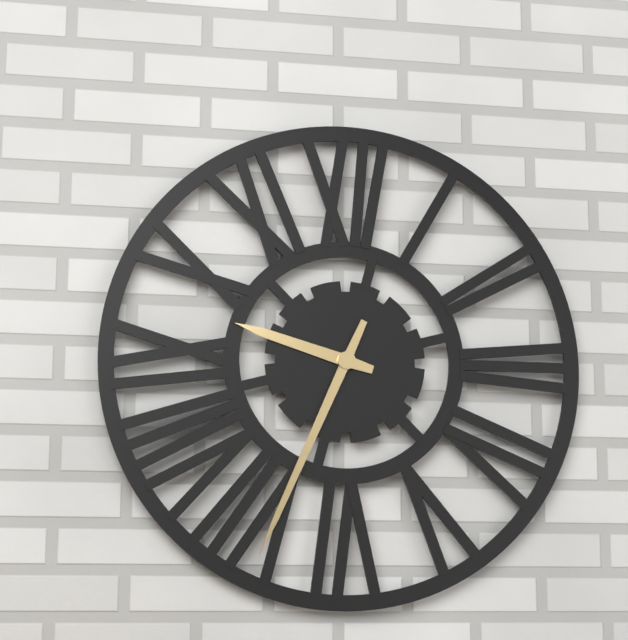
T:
**9:34**
